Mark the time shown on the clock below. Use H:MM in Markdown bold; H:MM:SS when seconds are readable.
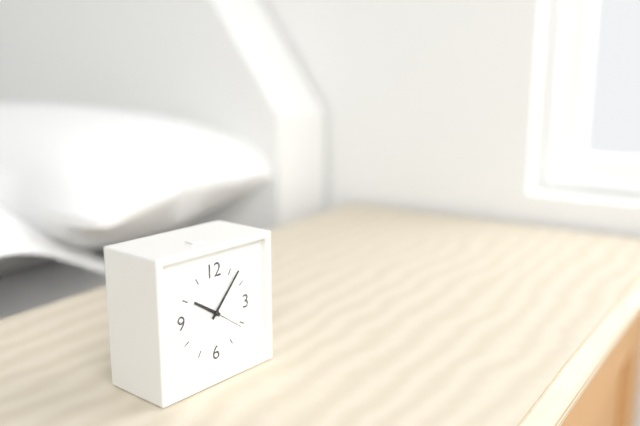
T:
**10:07**
